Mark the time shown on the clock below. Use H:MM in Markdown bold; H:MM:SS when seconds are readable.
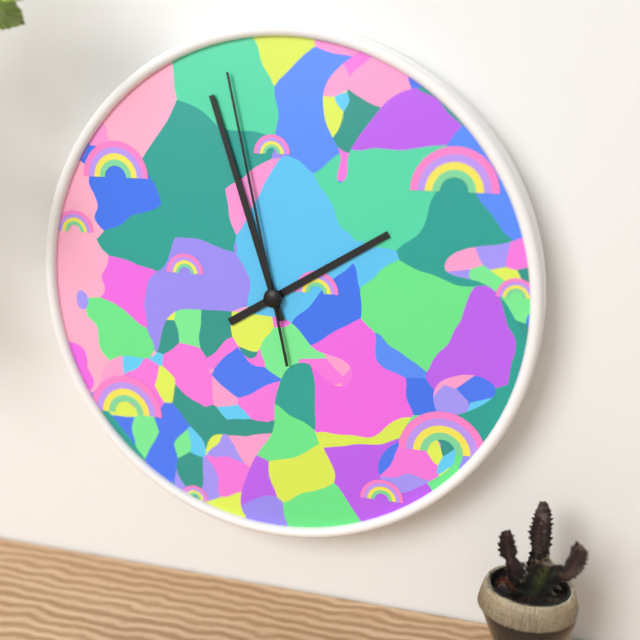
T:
**1:57:58**
